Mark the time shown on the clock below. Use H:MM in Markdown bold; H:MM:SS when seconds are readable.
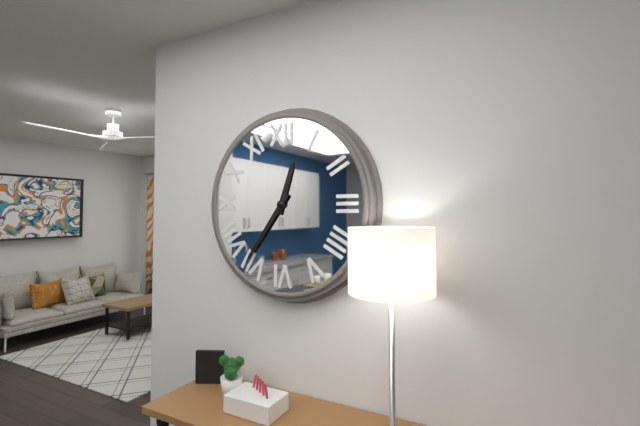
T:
**12:36**
